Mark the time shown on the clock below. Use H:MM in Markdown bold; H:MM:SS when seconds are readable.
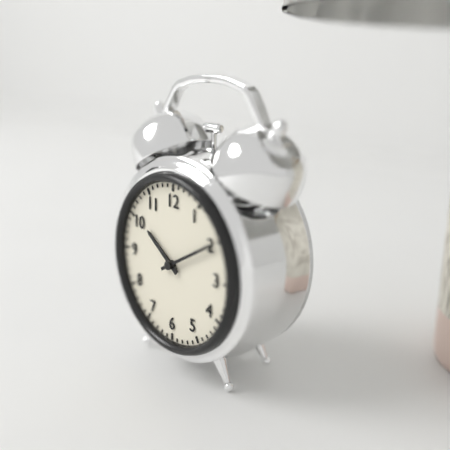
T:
**10:10**
